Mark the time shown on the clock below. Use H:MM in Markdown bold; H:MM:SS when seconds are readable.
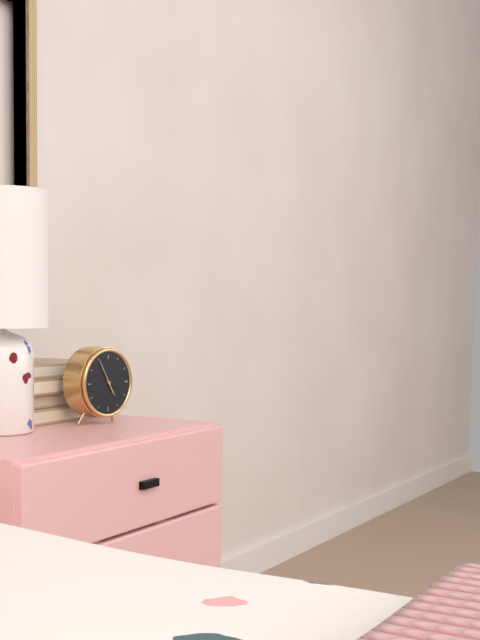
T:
**4:55**
